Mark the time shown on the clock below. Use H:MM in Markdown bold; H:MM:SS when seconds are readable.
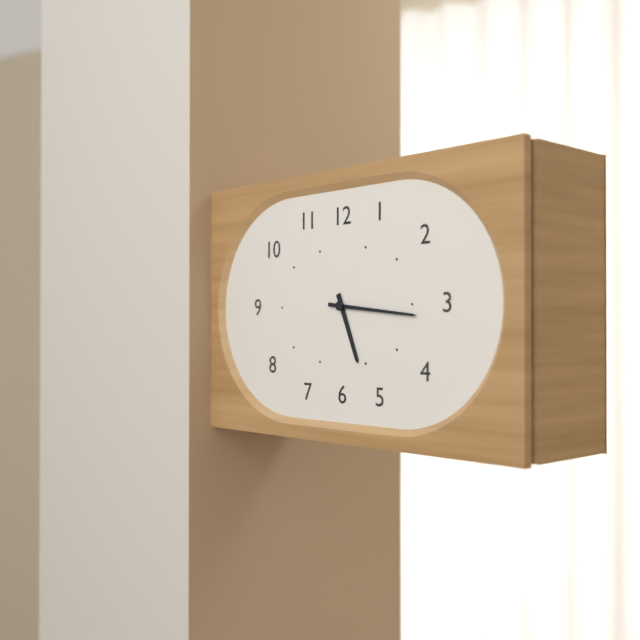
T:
**5:16**
